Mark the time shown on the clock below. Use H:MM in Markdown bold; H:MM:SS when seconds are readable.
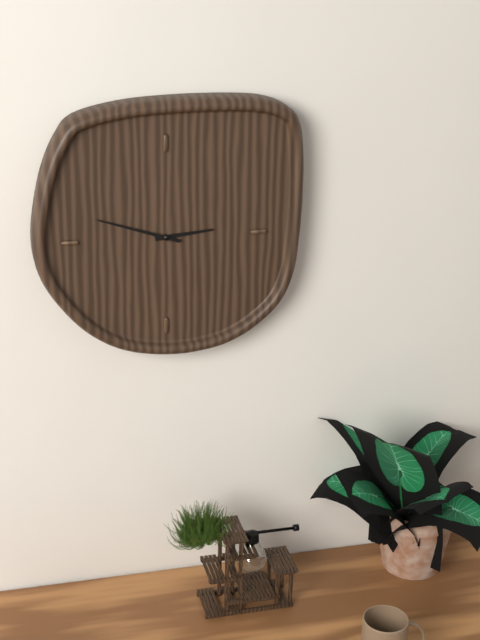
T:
**2:48**
